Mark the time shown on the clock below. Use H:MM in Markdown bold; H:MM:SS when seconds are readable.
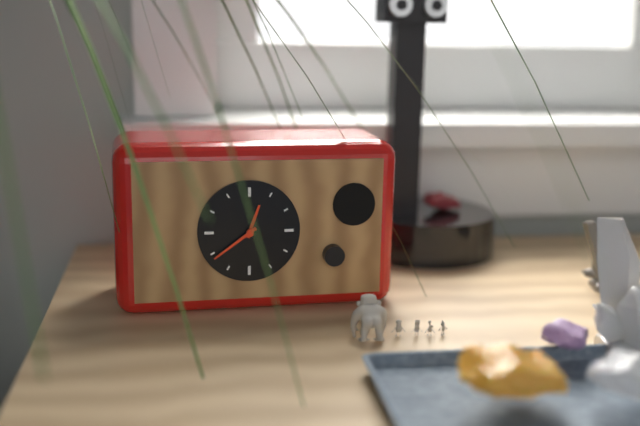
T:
**12:39**
